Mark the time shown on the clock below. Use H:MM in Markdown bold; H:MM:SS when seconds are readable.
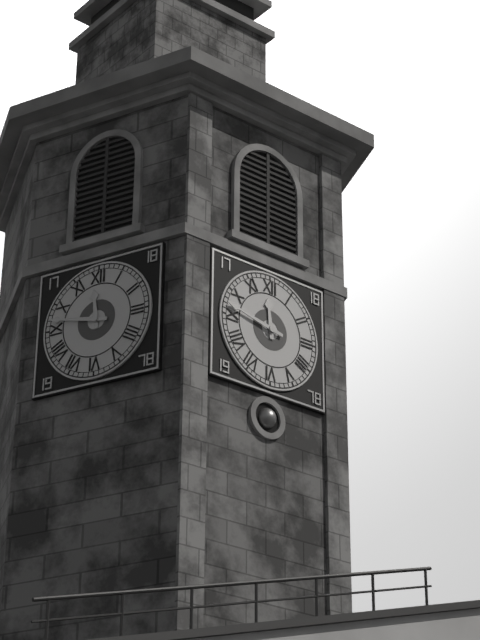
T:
**11:47**
